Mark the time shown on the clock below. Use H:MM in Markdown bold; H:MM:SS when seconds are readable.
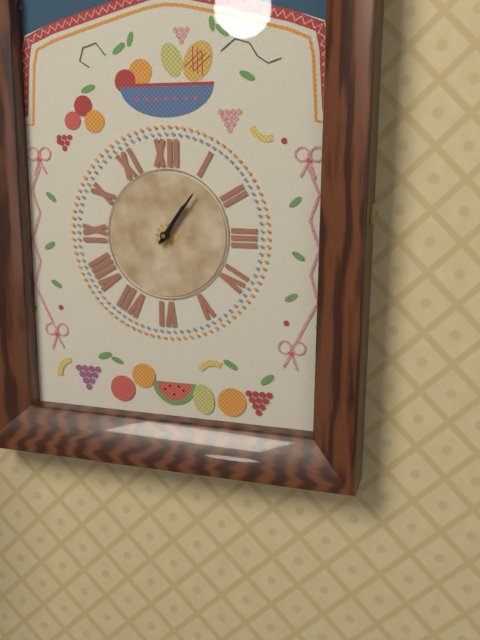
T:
**1:06**
